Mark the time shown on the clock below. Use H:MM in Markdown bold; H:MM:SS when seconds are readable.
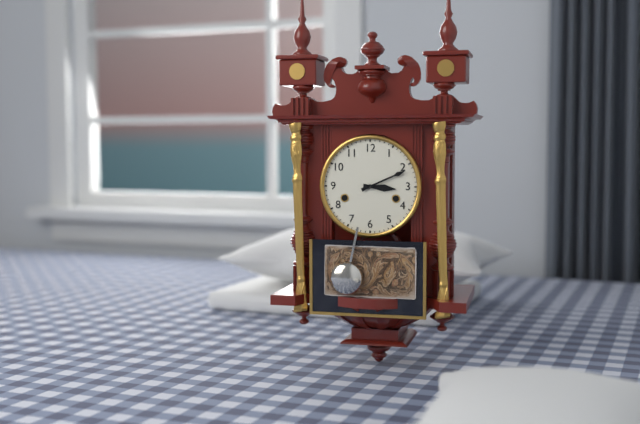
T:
**3:11**
